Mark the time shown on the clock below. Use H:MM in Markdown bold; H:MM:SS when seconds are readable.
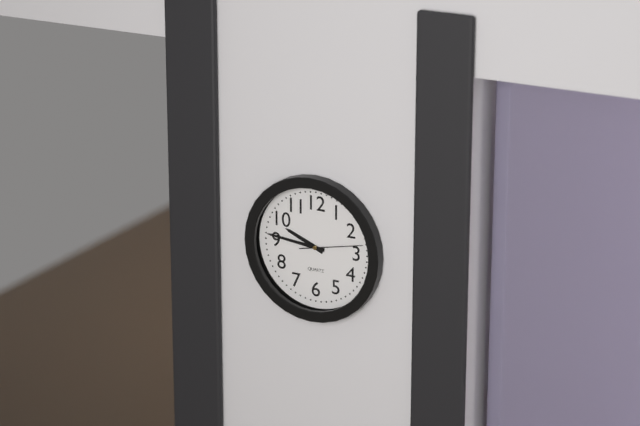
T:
**9:46:13**
